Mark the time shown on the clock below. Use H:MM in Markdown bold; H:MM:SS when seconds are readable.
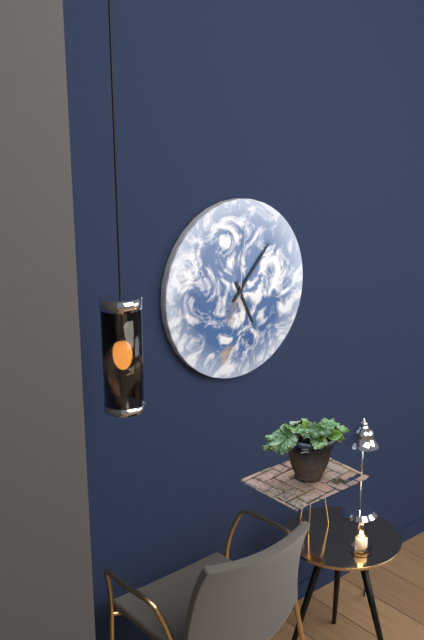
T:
**5:07:01**
